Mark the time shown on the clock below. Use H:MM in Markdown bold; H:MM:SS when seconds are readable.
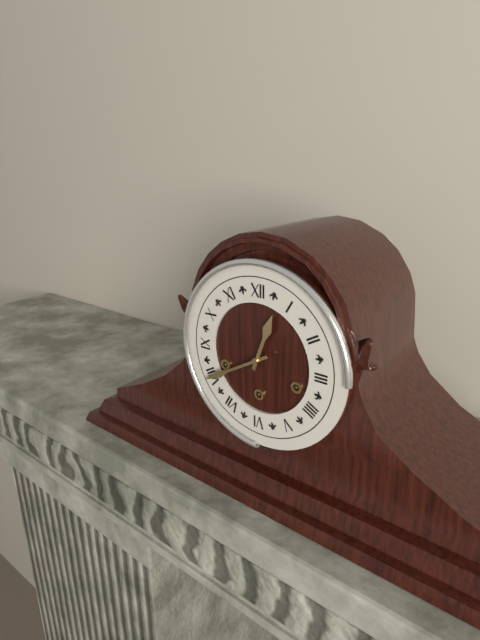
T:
**12:40**
